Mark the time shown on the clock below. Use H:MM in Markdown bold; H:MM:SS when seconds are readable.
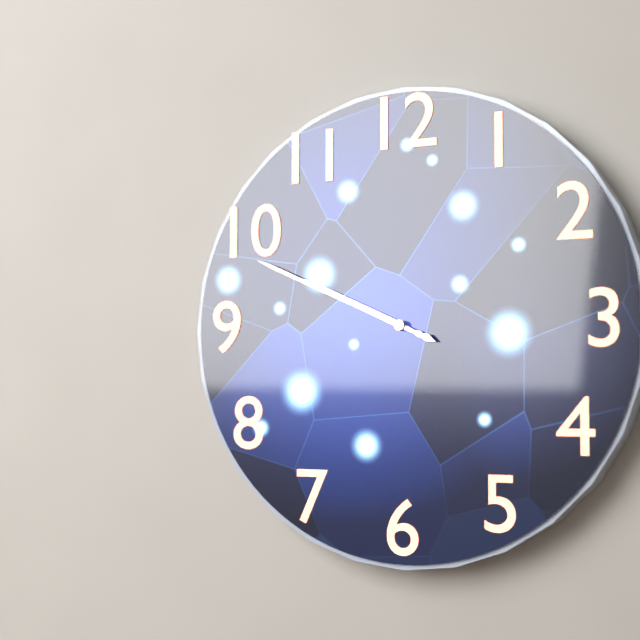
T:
**9:49**
